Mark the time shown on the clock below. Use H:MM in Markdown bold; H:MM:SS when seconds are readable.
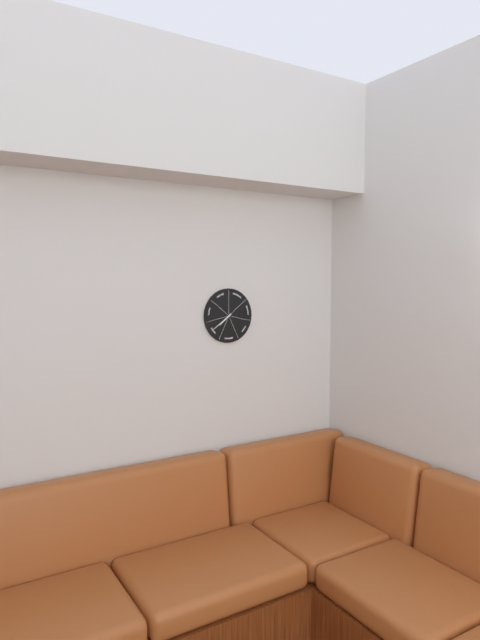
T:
**7:39**
